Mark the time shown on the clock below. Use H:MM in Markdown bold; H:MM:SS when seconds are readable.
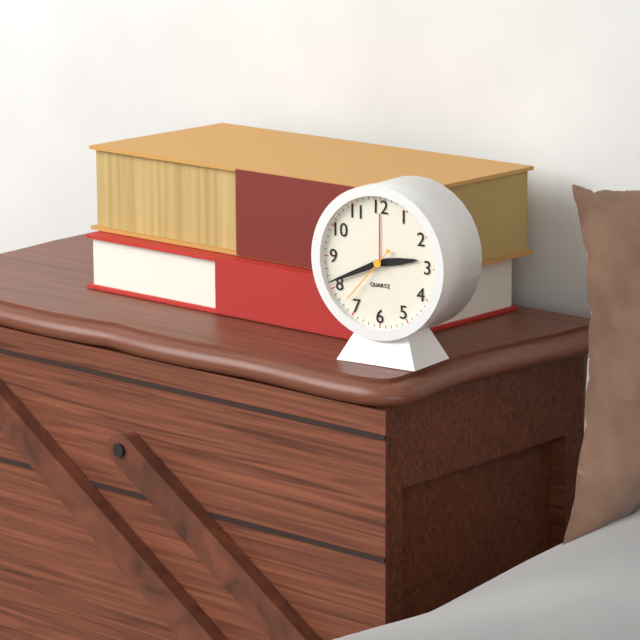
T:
**2:41:37**
